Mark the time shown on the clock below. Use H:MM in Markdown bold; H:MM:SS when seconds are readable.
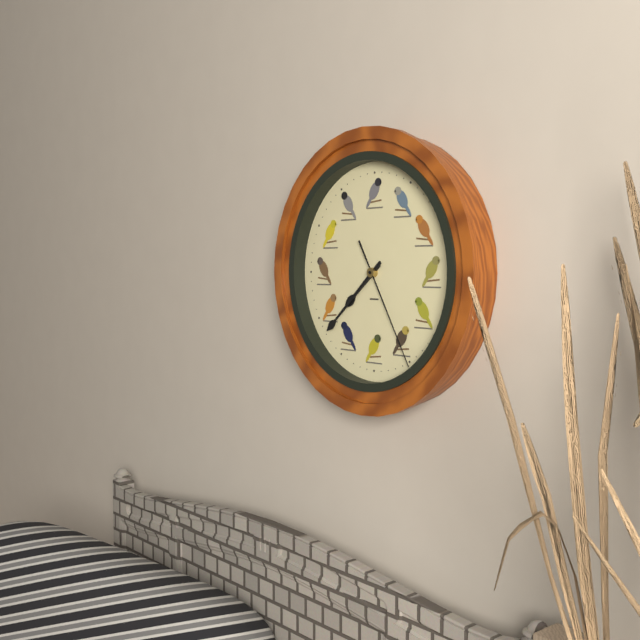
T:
**7:38:25**
